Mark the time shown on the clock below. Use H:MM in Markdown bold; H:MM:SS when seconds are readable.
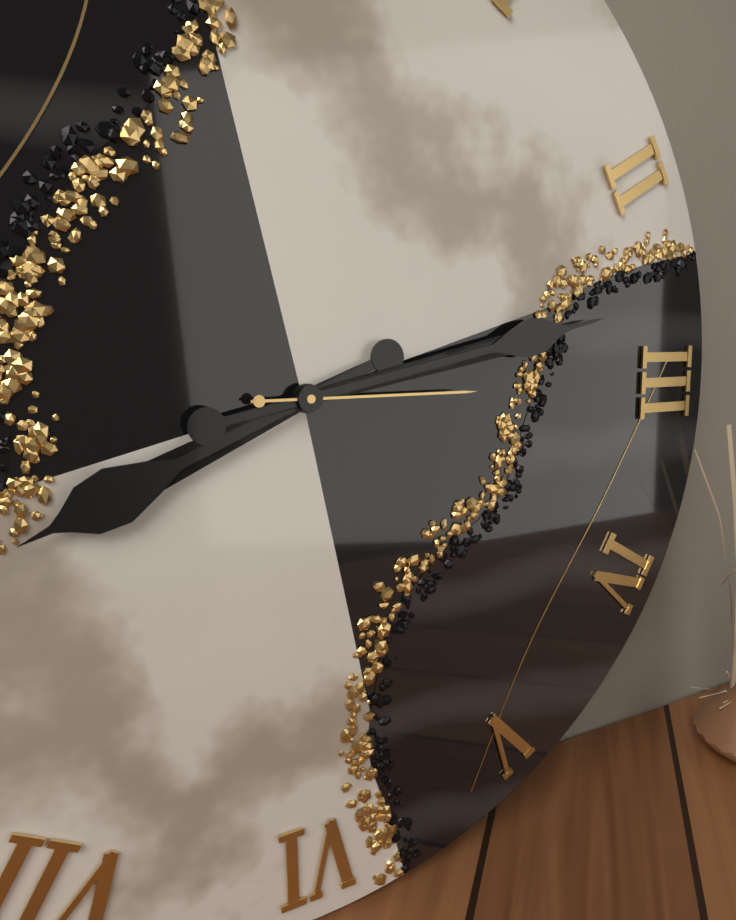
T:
**8:13:15**
